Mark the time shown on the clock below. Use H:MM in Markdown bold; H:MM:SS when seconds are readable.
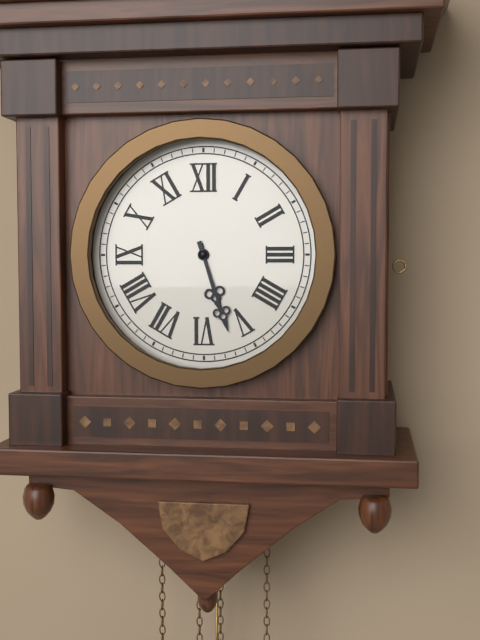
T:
**5:27**
